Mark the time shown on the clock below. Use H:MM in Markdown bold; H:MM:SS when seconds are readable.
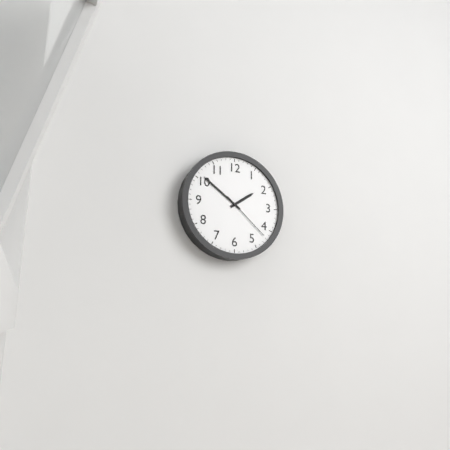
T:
**1:51:22**
